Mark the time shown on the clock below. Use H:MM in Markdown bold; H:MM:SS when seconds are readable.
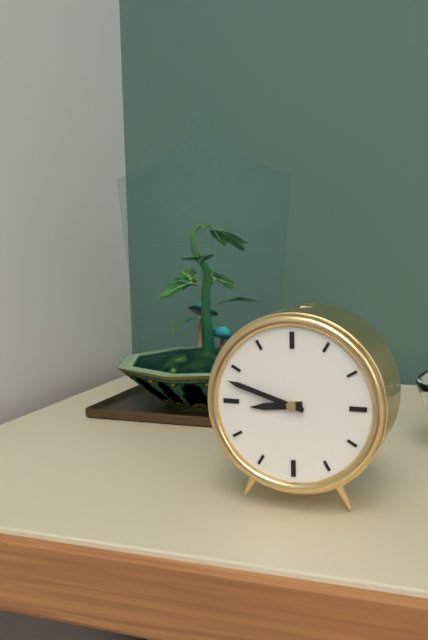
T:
**8:48**
